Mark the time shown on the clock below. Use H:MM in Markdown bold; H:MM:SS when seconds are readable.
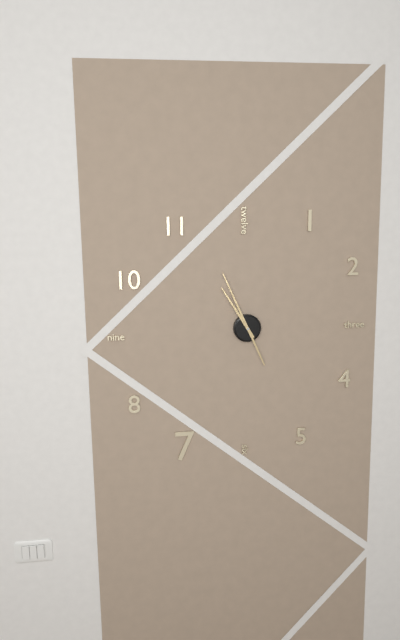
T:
**10:56**
